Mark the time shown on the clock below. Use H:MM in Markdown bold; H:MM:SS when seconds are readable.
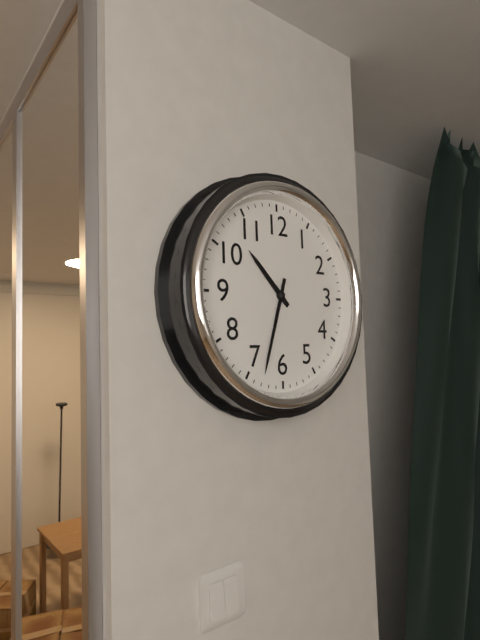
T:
**10:33**
